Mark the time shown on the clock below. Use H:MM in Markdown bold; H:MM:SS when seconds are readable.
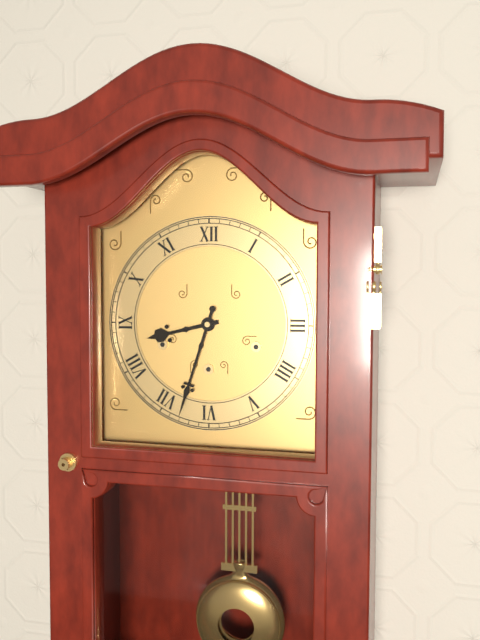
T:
**8:33**
